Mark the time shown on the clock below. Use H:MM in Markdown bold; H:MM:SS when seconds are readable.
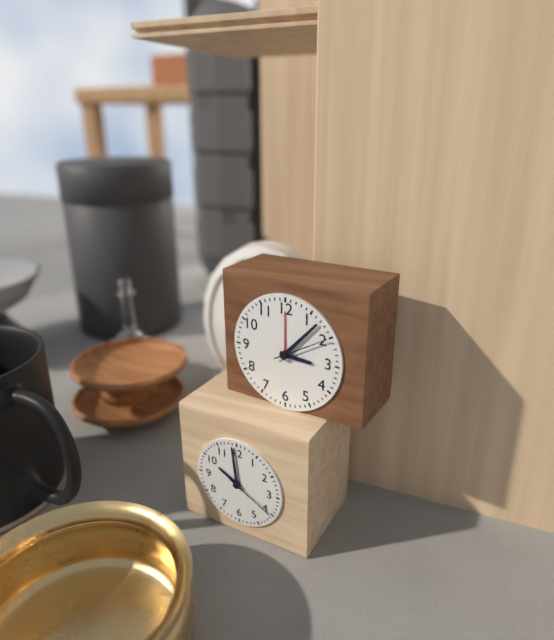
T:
**3:07:10**
